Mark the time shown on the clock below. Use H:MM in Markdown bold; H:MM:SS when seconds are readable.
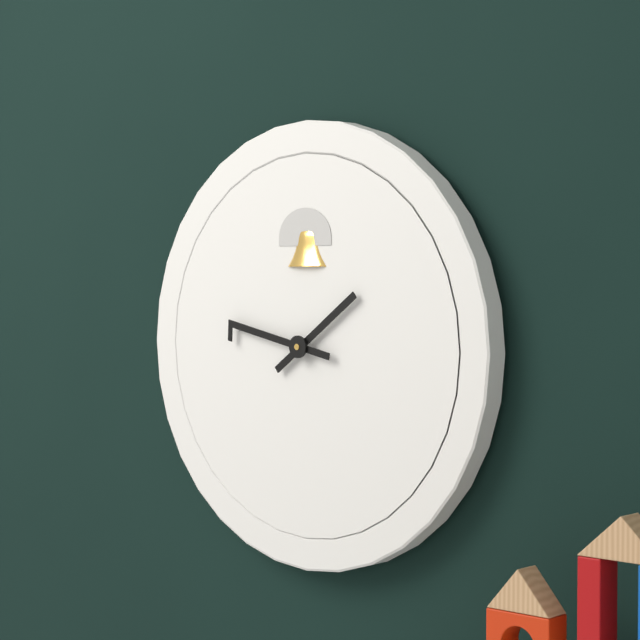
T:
**1:47**
